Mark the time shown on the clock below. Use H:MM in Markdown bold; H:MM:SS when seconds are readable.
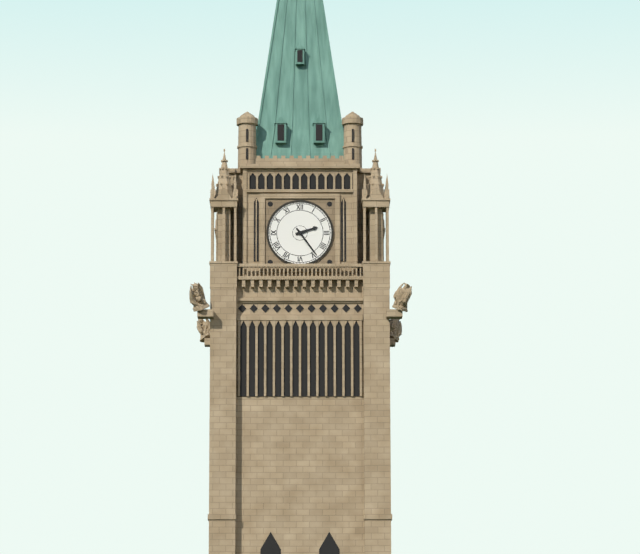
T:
**2:24**
